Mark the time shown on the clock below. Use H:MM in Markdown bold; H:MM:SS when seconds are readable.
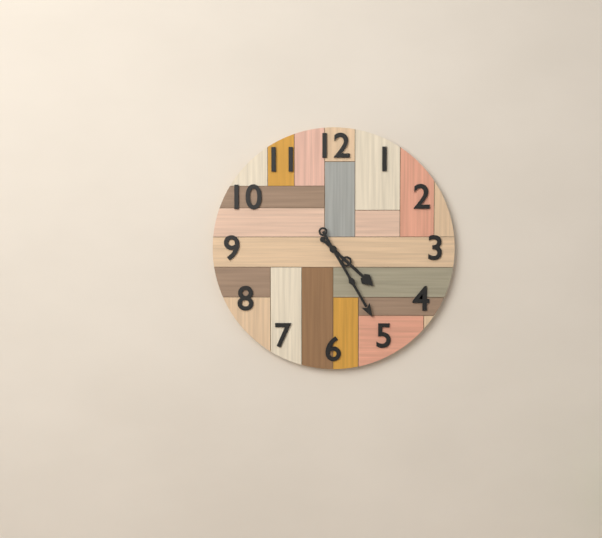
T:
**4:25**
